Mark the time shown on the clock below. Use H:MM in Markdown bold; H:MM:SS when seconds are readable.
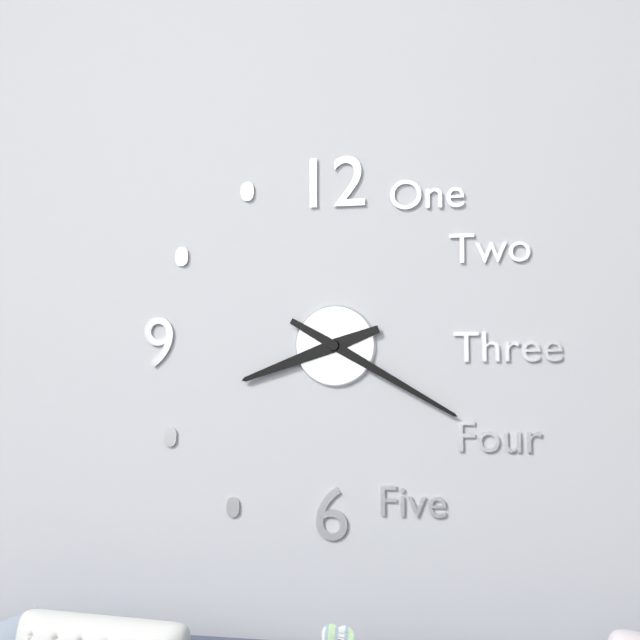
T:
**8:20**
